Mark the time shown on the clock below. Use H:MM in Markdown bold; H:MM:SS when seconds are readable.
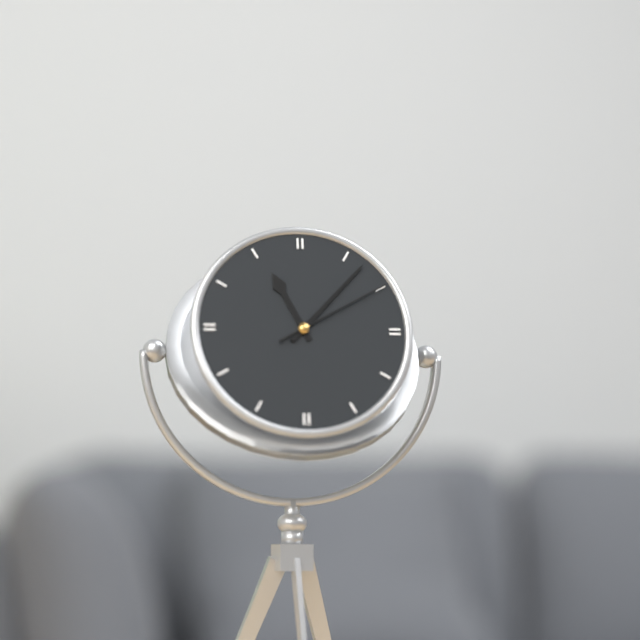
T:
**11:07:10**
